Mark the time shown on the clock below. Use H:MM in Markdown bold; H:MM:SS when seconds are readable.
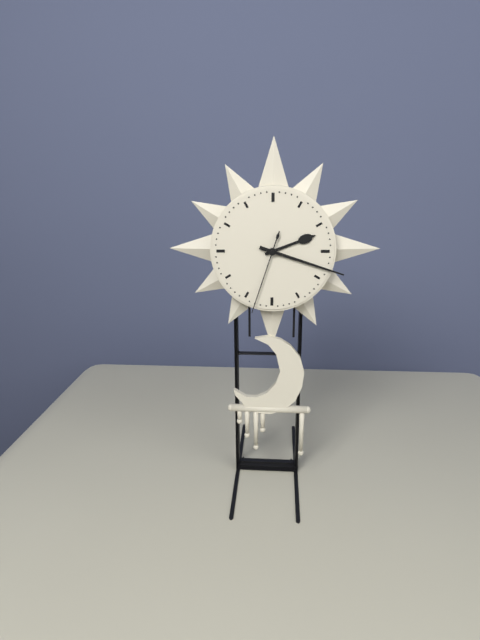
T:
**2:18:33**
